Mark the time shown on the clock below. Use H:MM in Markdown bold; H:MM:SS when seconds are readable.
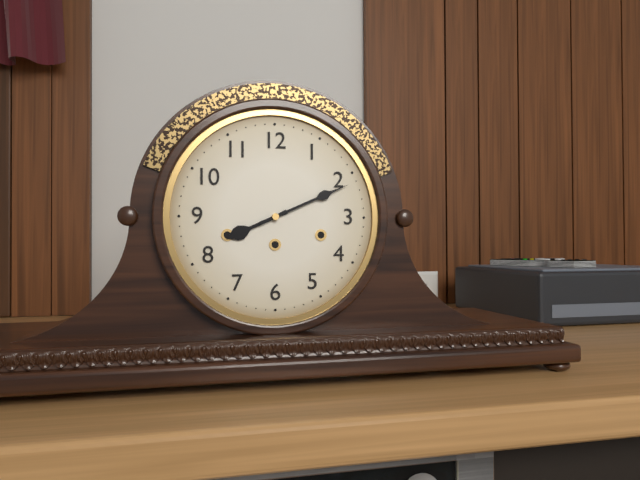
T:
**8:11**
